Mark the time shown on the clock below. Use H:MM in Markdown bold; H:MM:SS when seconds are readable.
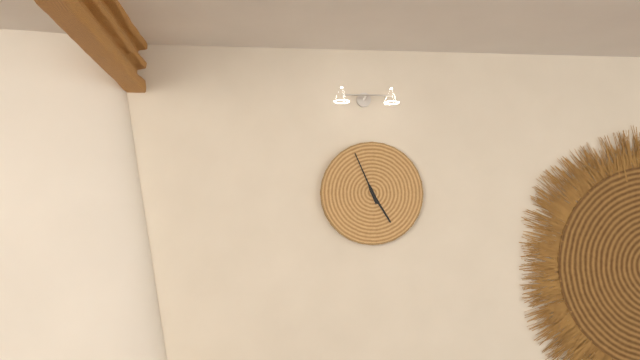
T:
**4:56**
